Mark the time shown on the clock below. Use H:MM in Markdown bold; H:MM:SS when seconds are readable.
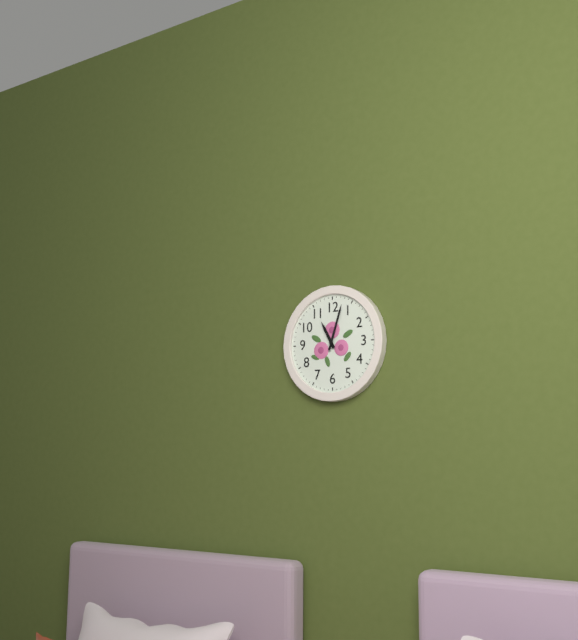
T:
**11:03**
